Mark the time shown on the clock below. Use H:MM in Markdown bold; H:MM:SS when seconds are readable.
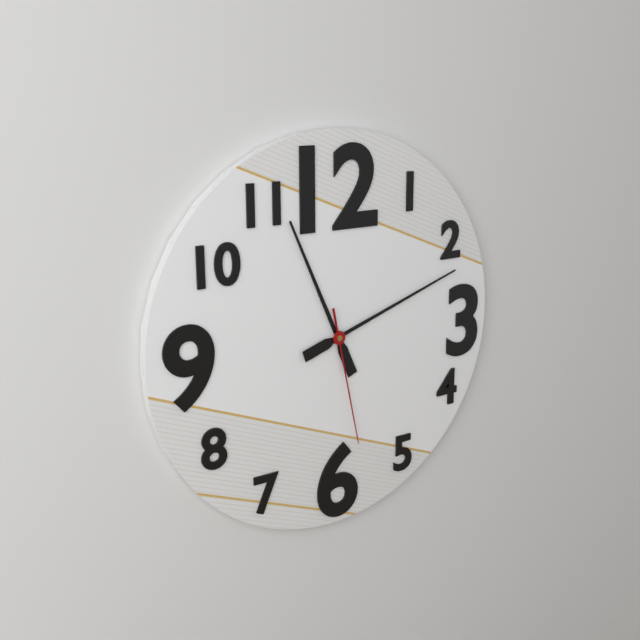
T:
**11:12:28**
